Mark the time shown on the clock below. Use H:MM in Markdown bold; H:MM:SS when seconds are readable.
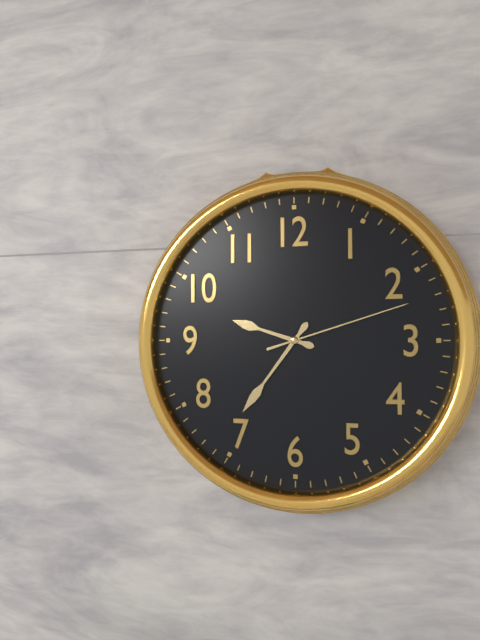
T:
**9:36:12**
